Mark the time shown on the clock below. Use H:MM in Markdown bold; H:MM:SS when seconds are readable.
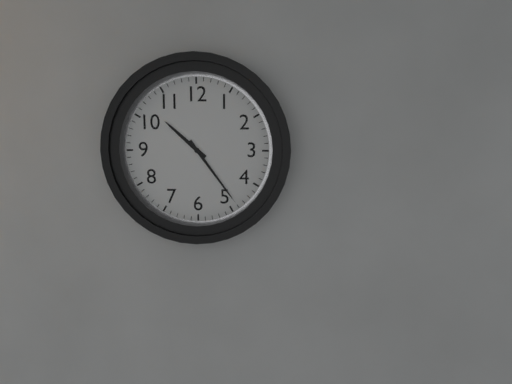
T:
**10:24**
